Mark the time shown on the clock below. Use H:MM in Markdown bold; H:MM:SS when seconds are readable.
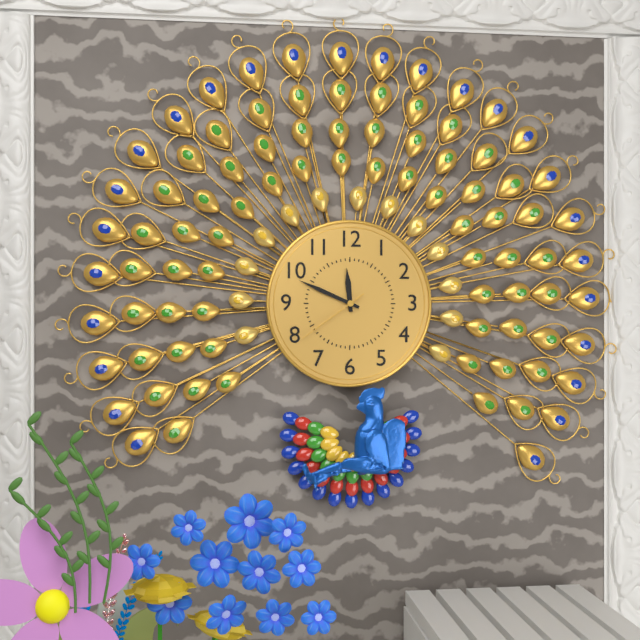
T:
**11:49:39**
